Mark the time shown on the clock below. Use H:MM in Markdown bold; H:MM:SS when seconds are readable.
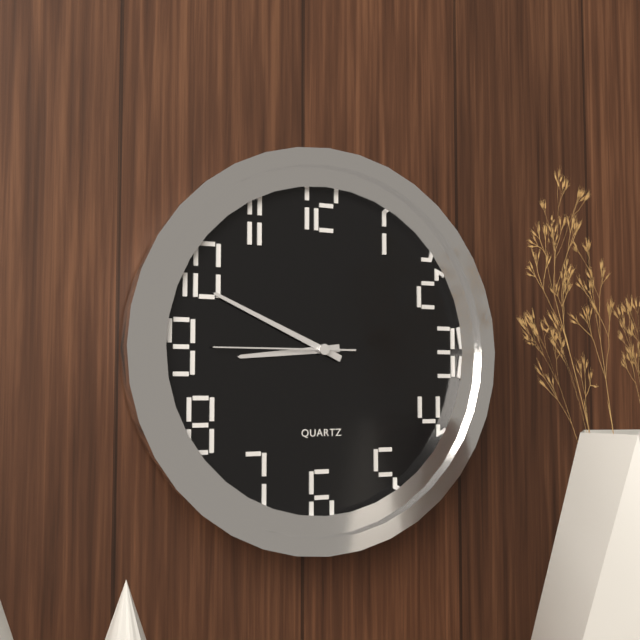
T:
**8:49:45**
